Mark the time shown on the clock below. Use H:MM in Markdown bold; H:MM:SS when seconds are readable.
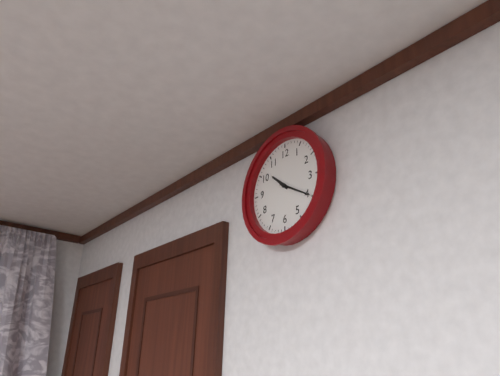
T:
**10:20**
